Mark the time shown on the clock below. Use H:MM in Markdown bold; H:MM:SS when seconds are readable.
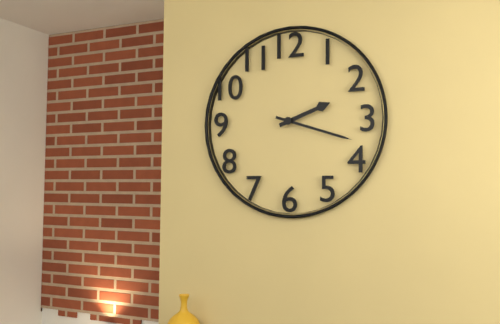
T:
**2:18**
